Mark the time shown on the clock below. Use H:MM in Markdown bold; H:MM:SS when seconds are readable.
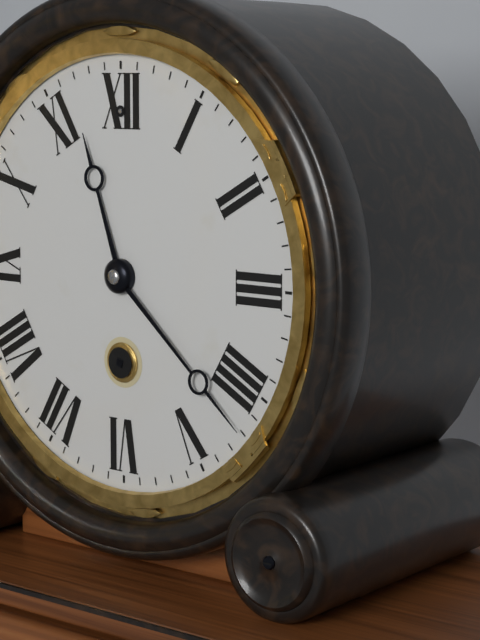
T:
**11:22**
